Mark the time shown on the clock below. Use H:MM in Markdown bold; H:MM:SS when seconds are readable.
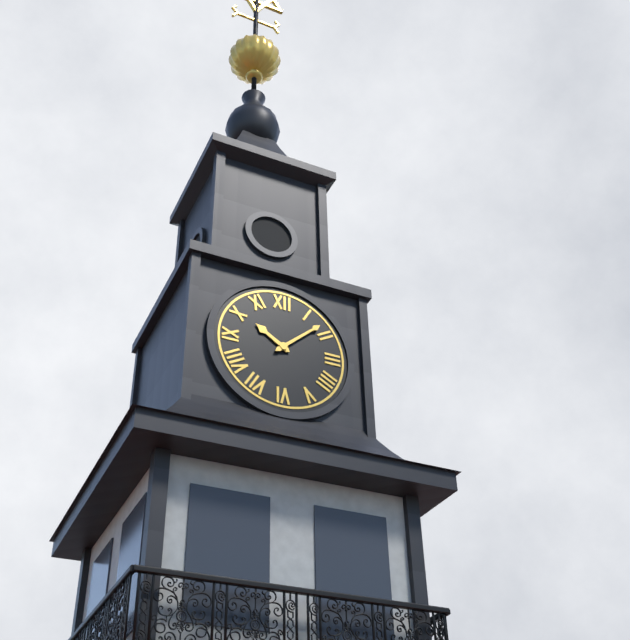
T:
**10:08**
